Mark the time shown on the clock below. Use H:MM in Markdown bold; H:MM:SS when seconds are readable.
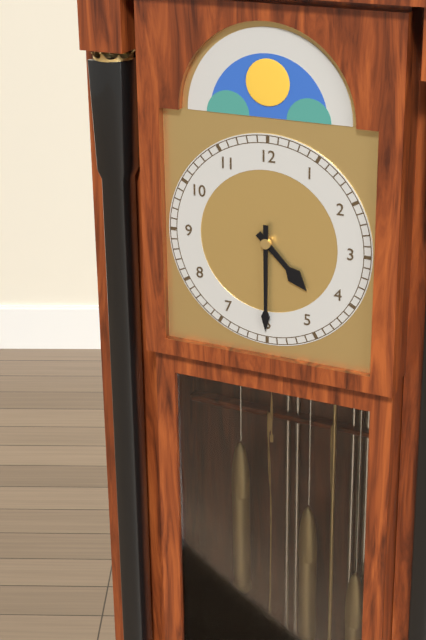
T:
**4:30**
